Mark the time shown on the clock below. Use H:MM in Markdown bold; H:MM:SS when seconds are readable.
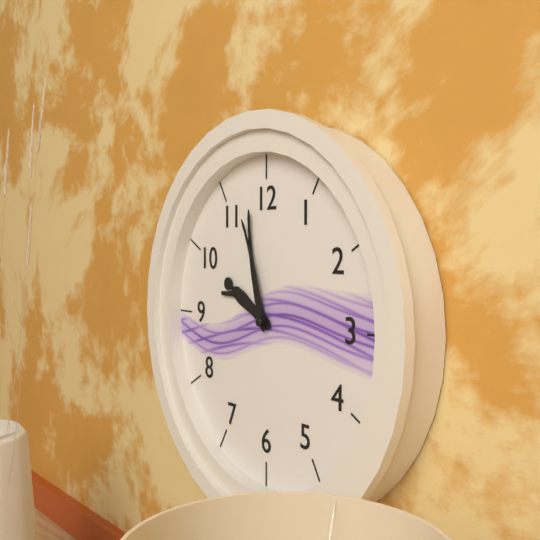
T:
**9:58:57**
